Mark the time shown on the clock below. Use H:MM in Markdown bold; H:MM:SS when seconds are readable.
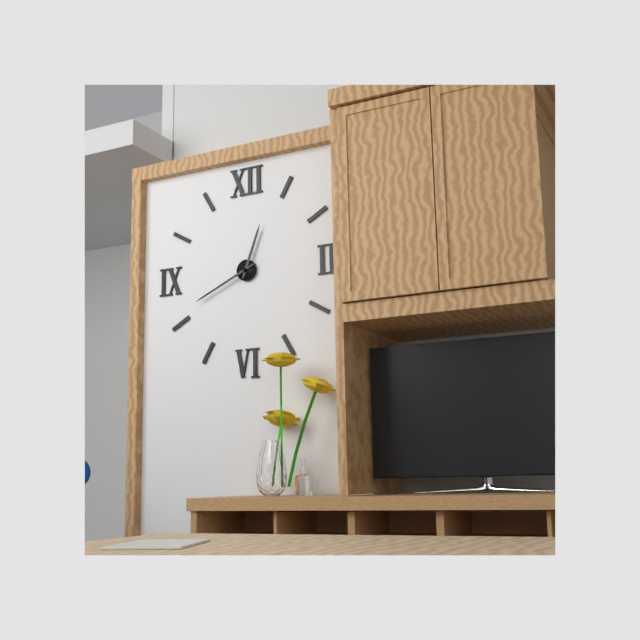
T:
**12:41**
